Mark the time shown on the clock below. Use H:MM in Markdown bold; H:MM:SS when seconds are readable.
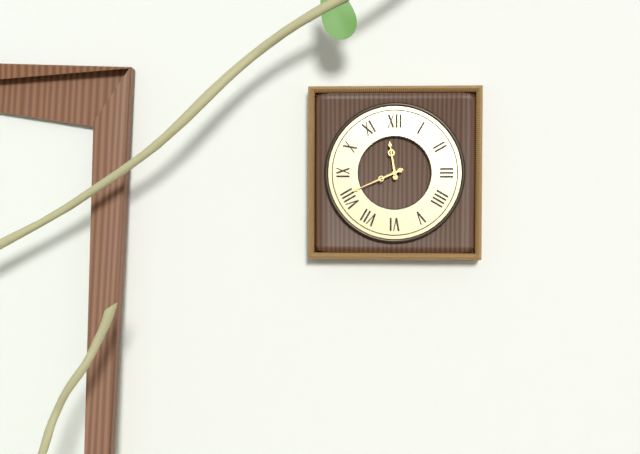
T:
**11:41**
